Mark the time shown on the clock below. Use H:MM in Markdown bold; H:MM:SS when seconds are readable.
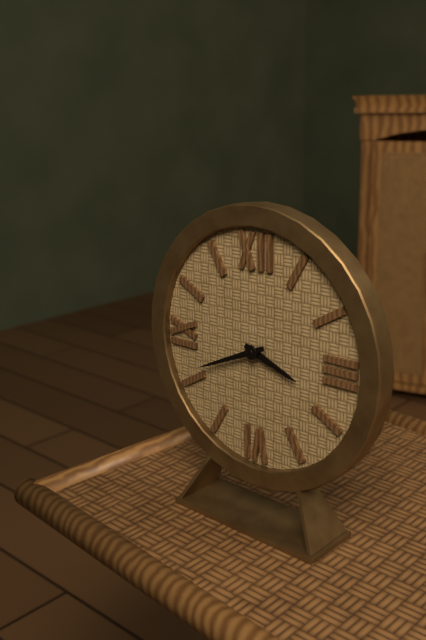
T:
**3:41**
